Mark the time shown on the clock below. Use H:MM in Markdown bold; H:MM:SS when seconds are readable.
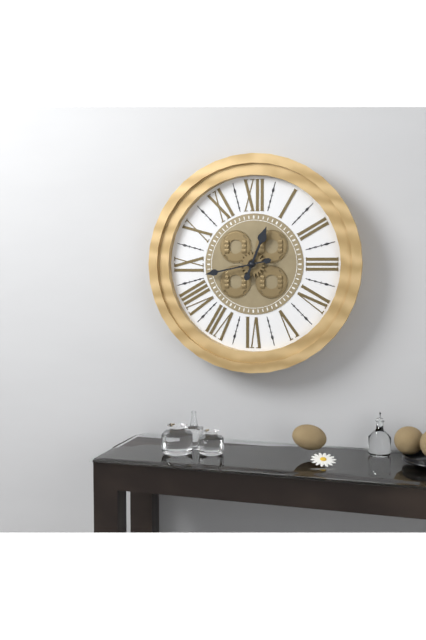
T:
**12:43**
